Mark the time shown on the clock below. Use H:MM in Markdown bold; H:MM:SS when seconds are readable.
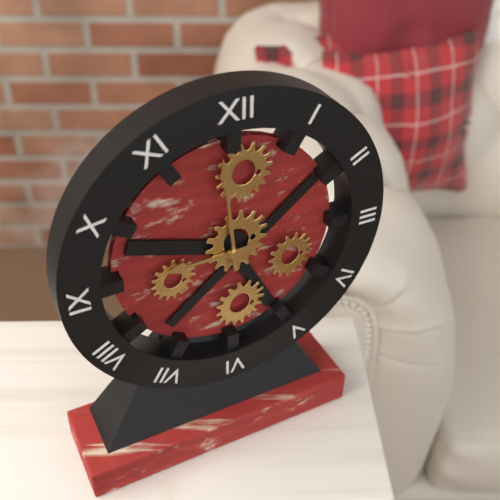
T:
**8:59**
